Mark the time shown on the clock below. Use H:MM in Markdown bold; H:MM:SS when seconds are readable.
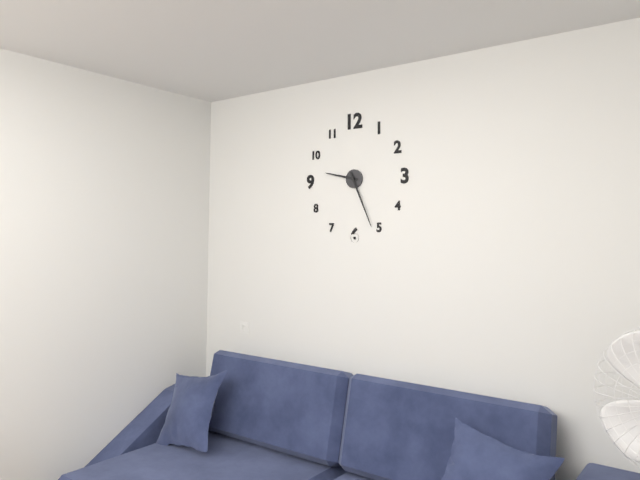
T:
**9:26**
